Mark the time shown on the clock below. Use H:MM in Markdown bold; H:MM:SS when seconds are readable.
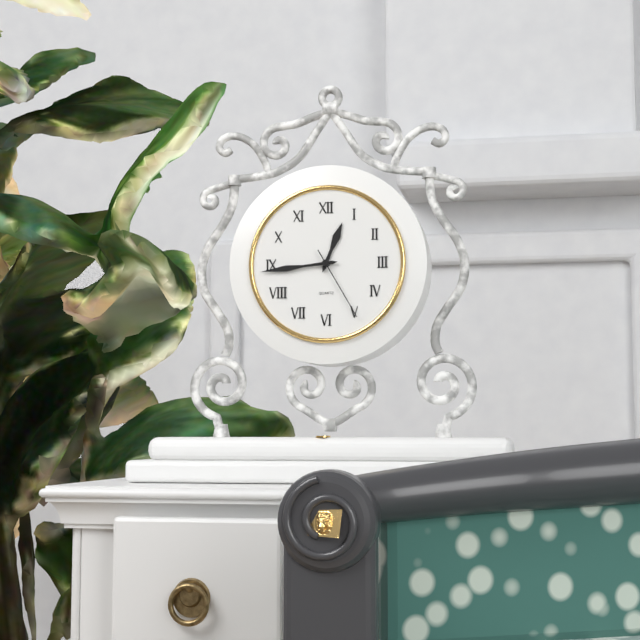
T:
**12:44:25**
